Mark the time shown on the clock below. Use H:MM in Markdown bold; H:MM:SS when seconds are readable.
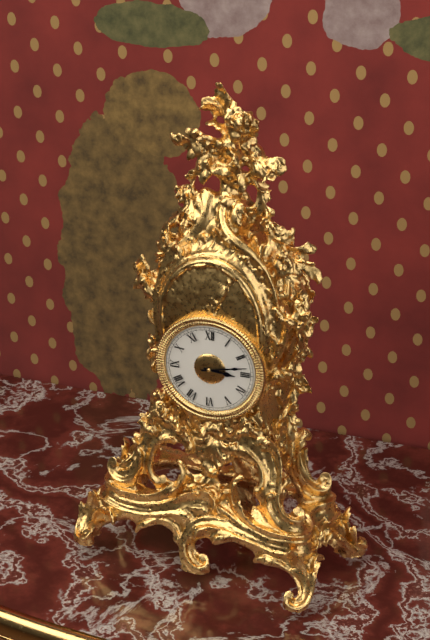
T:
**3:13**
